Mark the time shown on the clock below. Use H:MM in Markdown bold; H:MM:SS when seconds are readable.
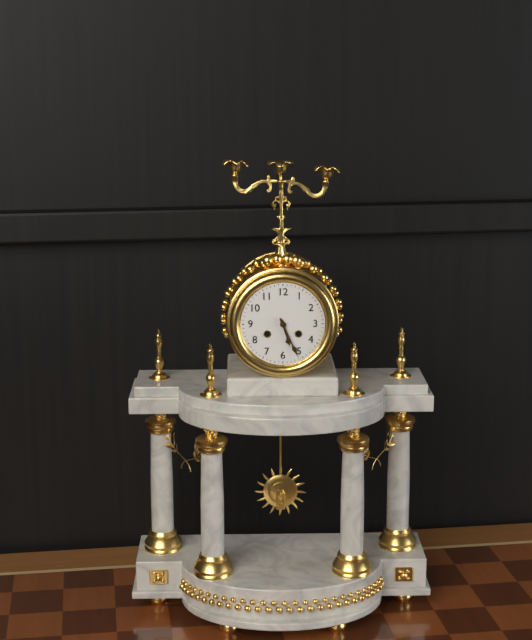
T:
**5:26**
